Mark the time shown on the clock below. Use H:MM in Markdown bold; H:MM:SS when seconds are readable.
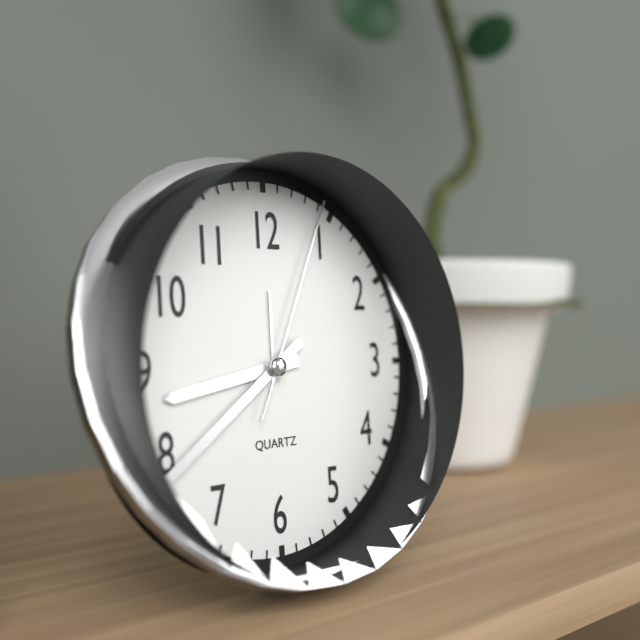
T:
**8:39:04**
